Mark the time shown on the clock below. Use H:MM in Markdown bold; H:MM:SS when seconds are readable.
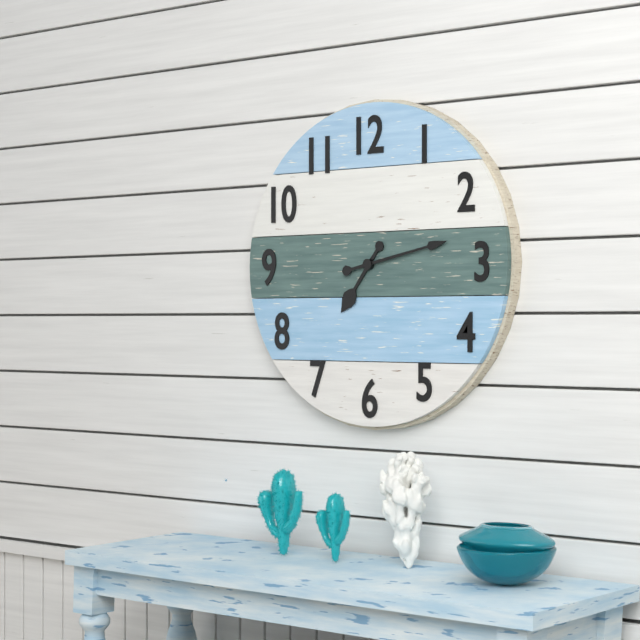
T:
**7:13**
